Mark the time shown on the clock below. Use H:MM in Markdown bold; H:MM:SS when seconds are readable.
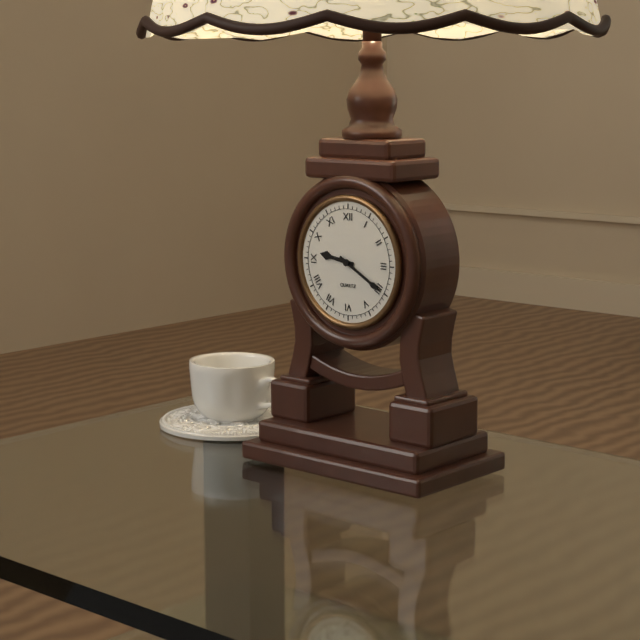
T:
**9:20**
